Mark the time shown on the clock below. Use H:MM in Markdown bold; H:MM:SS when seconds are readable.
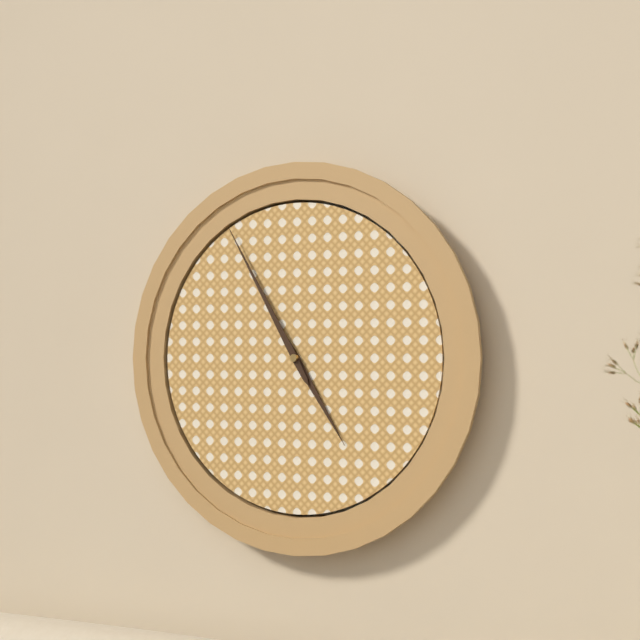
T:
**4:55**
